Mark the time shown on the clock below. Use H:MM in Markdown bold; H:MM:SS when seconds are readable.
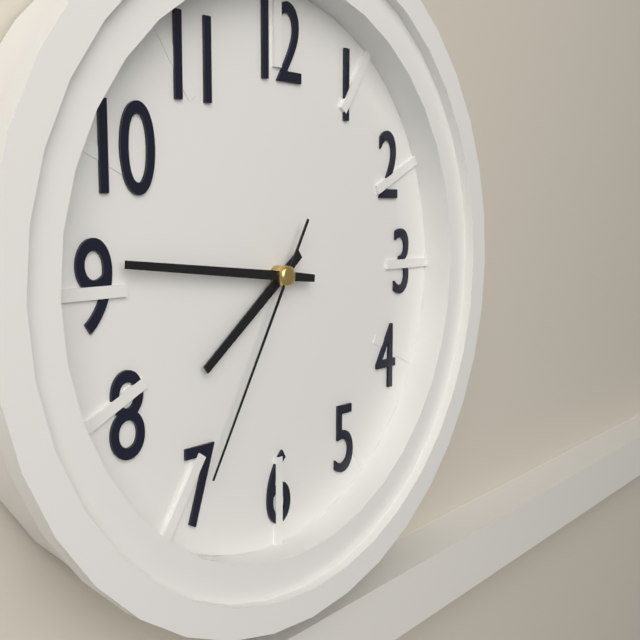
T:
**7:46:35**
